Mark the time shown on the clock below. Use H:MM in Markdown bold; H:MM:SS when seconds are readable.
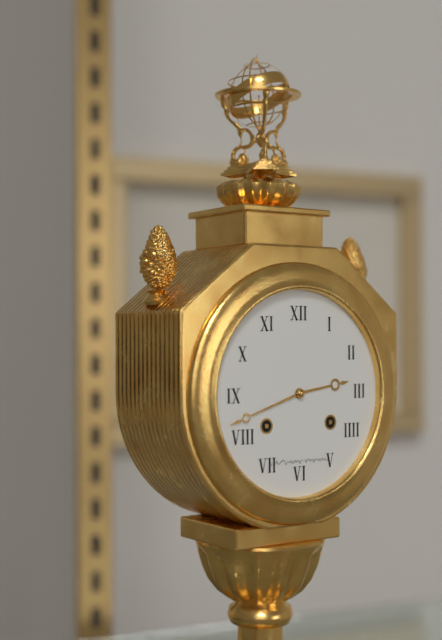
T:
**2:42**
